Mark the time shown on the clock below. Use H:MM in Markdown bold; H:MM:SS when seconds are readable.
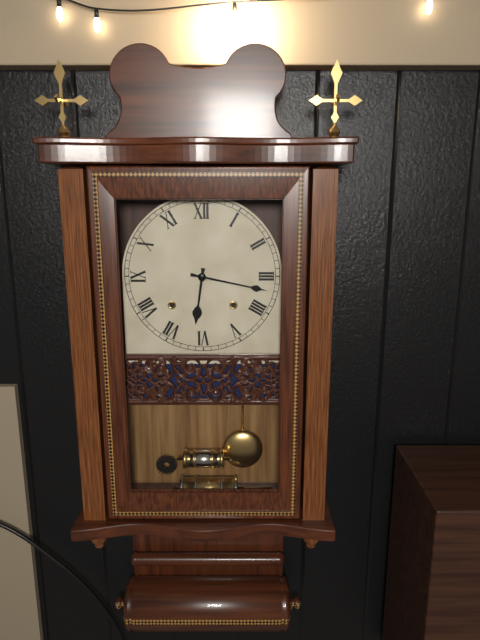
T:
**6:17**
